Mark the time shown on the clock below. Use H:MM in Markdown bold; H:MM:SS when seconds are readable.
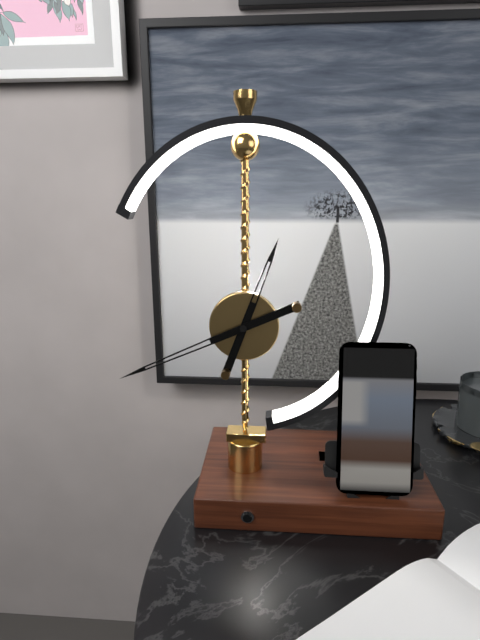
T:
**12:41**
